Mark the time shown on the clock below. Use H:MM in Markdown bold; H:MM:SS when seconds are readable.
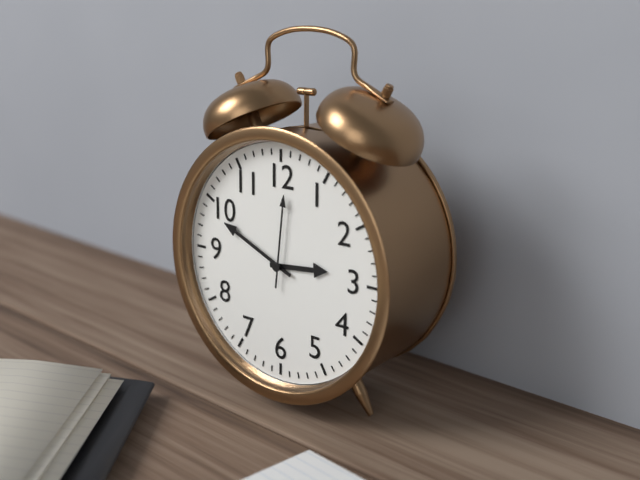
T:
**2:49:01**
